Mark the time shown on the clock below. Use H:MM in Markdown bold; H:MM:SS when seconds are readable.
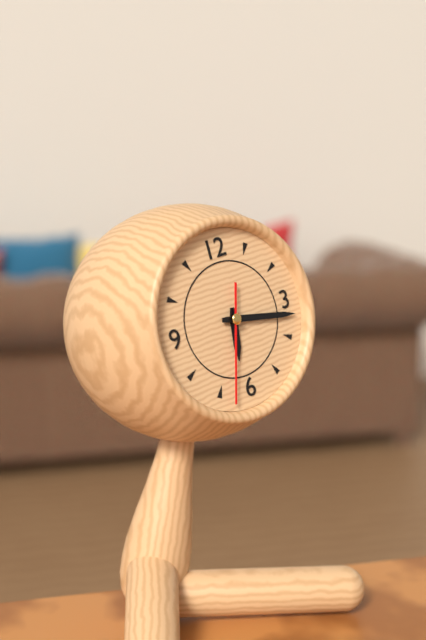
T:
**6:17:33**
